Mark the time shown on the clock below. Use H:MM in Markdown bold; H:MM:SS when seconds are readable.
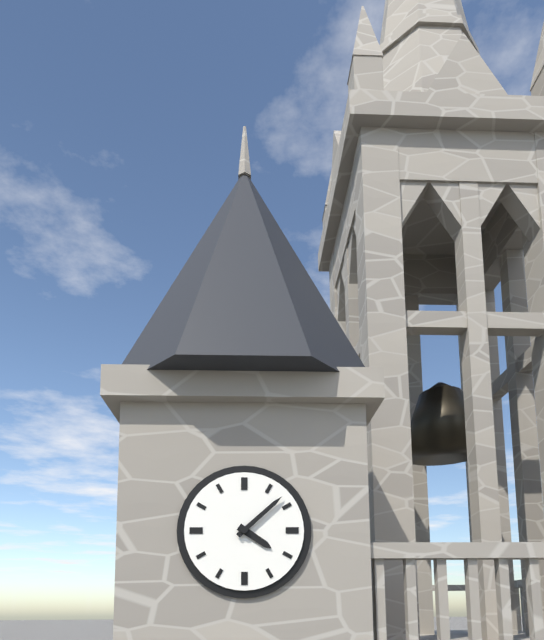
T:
**4:08**
